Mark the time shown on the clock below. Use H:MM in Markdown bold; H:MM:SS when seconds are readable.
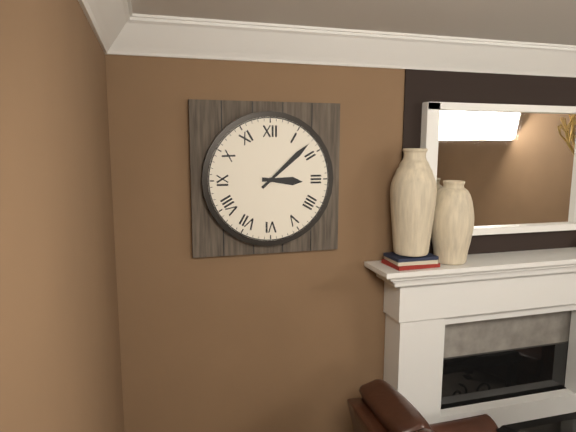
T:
**3:08**
